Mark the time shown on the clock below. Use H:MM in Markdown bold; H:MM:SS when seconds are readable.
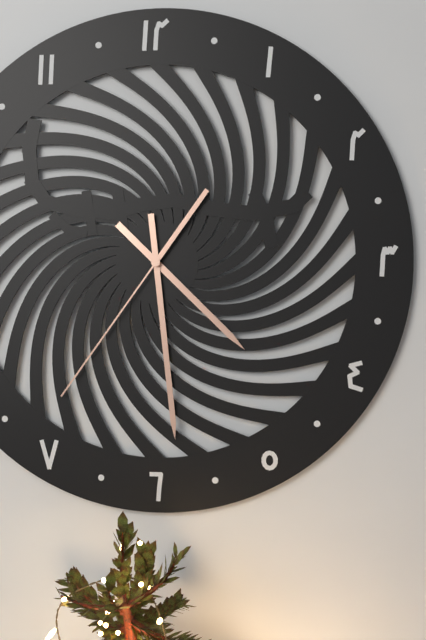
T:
**4:29:36**
